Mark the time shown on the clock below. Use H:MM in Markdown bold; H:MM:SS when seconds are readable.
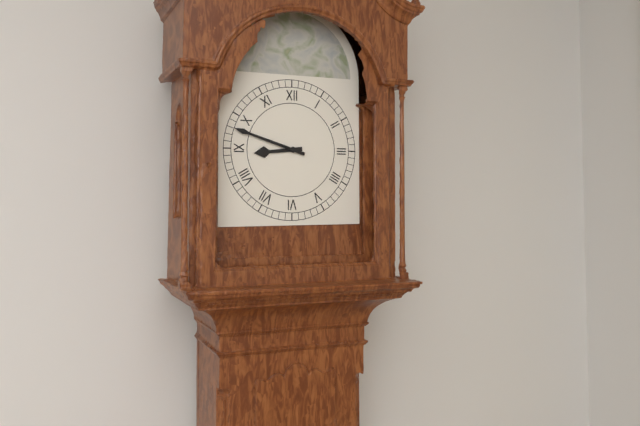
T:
**8:48**
